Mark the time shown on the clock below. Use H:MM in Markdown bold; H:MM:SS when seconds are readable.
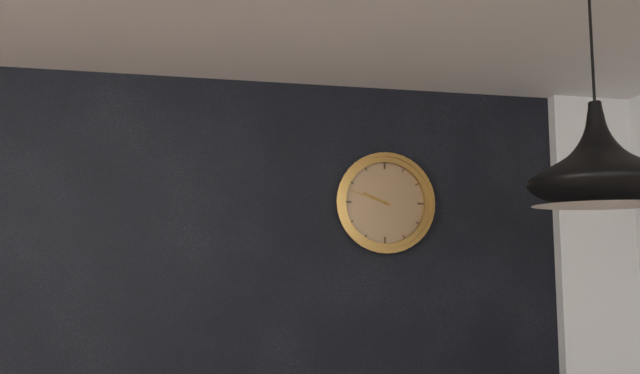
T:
**9:48**
